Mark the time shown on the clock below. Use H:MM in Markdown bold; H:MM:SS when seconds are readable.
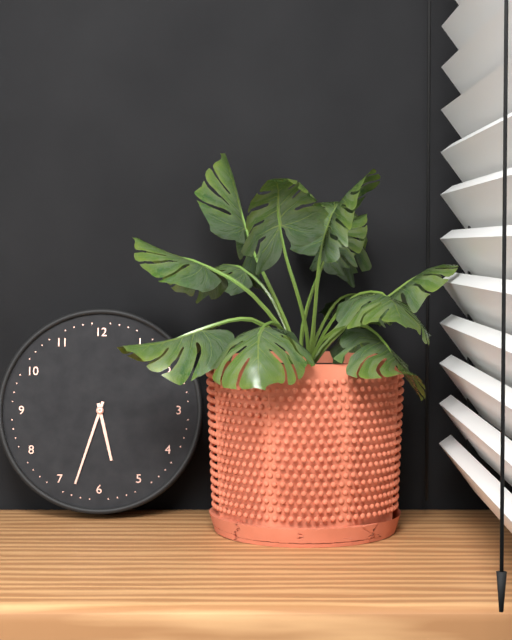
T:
**5:33**
